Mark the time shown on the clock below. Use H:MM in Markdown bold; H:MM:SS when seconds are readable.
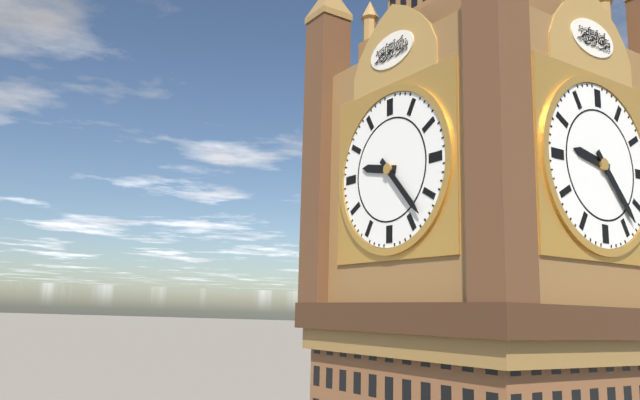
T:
**9:23**
